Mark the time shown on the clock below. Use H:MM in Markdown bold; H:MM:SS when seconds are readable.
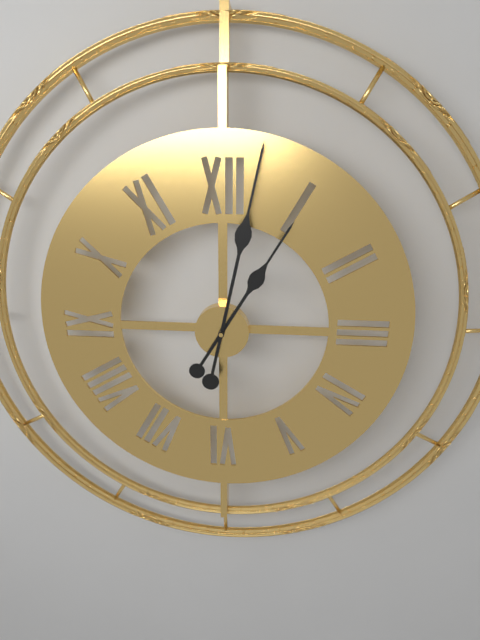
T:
**1:02**
